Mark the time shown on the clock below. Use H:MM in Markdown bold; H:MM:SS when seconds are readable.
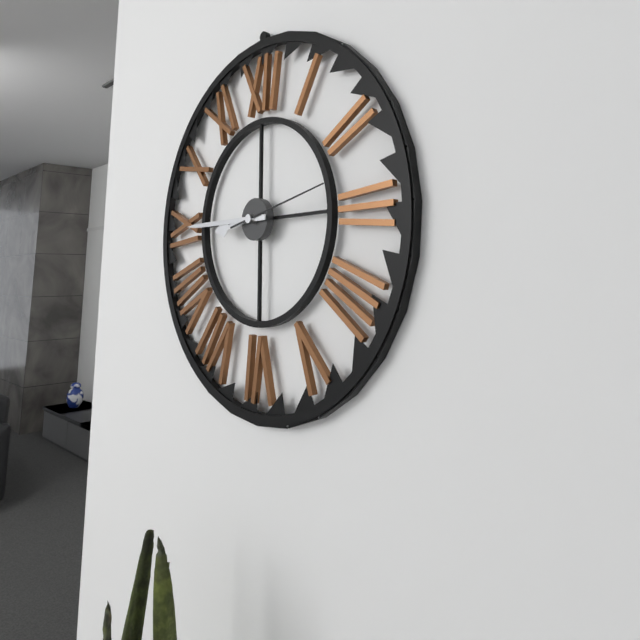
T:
**8:45:13**
